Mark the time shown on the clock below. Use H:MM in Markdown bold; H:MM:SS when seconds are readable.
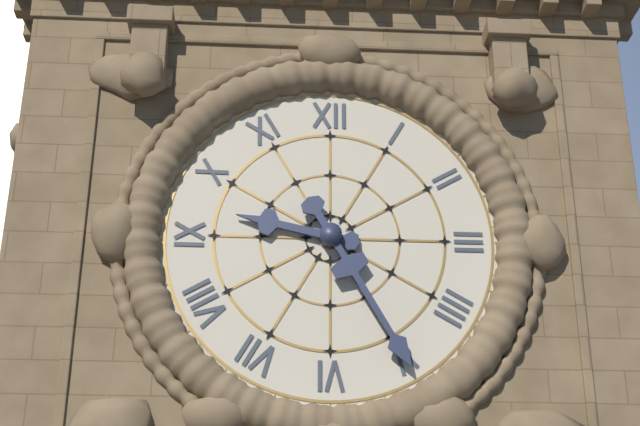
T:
**9:25**
